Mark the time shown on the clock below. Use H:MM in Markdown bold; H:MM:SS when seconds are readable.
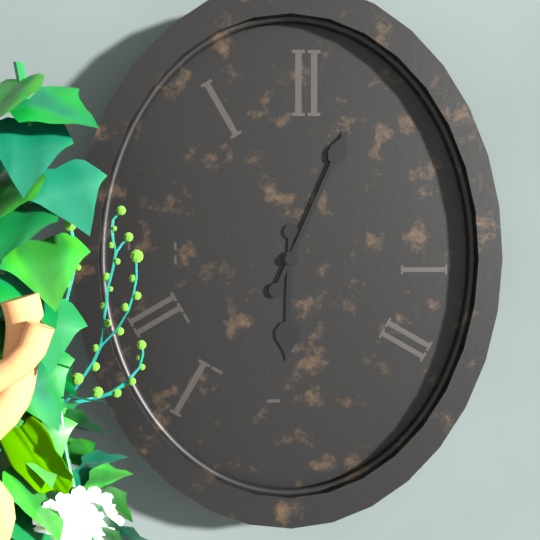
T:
**6:04**
